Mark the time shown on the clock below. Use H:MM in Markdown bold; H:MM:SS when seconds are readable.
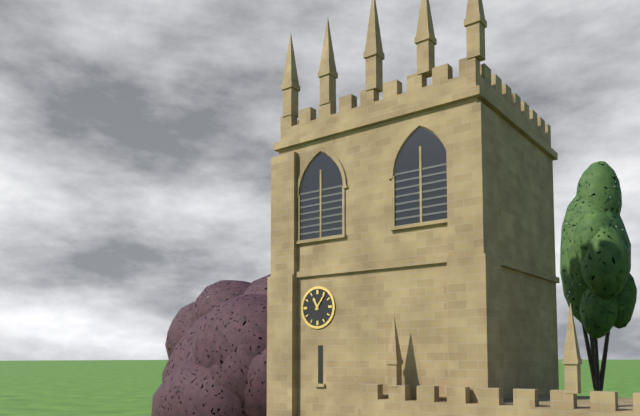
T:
**11:06**
